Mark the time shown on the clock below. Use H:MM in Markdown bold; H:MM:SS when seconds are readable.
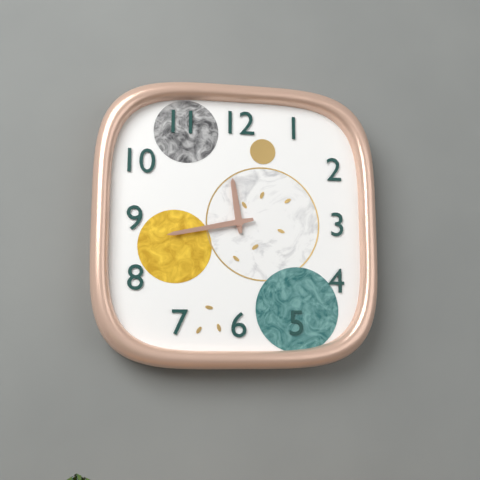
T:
**11:43**
